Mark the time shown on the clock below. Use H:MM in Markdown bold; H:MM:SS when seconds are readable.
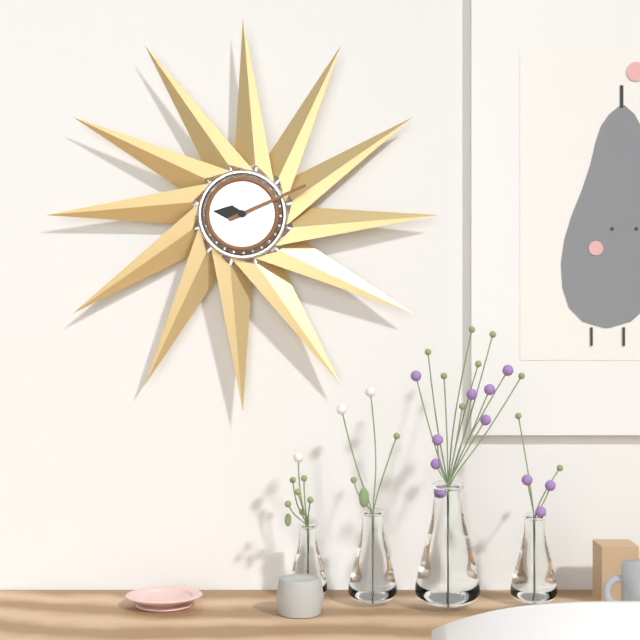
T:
**9:11**
